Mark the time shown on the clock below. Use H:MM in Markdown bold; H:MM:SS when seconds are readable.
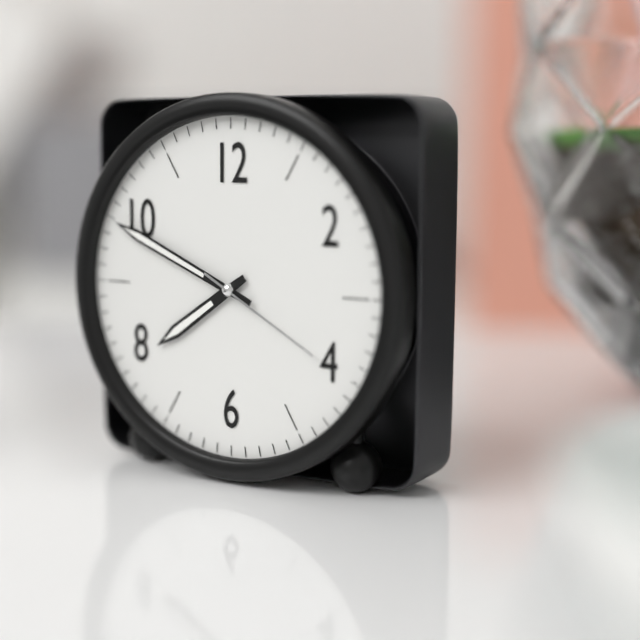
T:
**7:49:20**
